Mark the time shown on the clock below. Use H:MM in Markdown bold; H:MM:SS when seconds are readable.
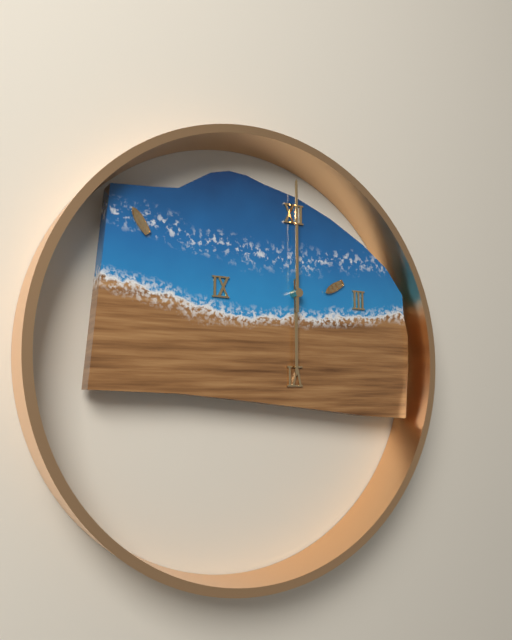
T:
**6:00**
